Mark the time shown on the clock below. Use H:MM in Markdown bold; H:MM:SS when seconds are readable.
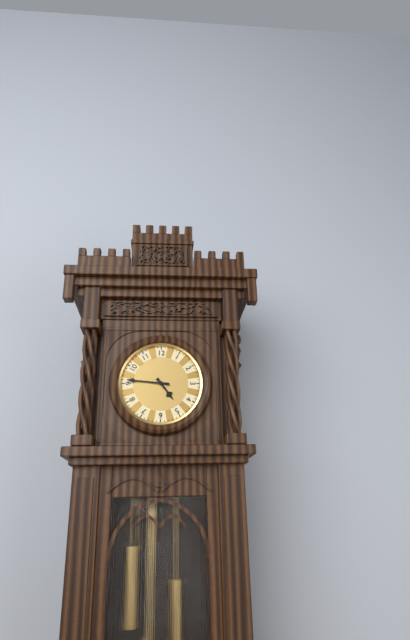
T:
**4:46**
